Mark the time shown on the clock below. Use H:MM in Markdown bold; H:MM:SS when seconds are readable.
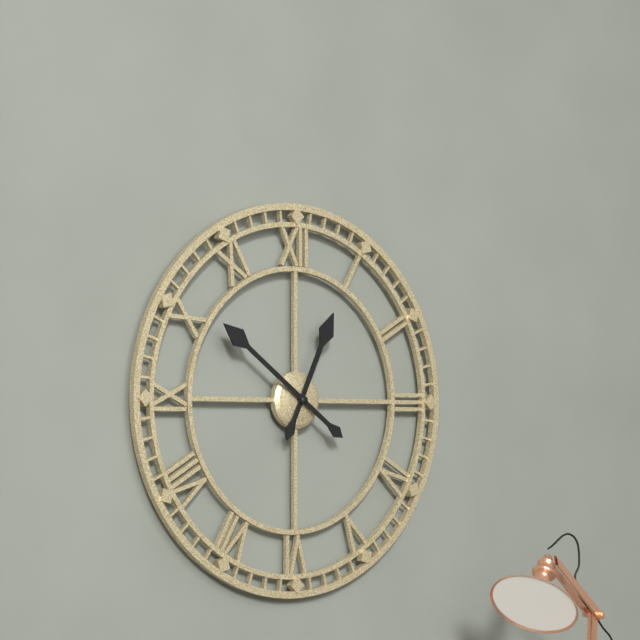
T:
**12:51**
